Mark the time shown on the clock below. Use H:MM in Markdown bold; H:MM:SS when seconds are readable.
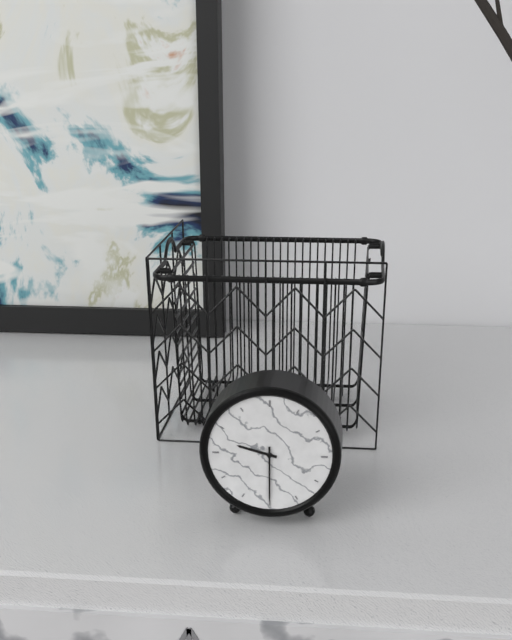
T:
**9:30**
